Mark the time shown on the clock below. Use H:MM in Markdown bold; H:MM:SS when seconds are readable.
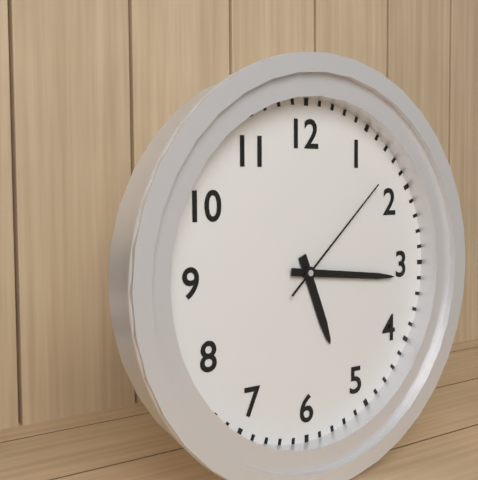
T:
**5:16:08**
